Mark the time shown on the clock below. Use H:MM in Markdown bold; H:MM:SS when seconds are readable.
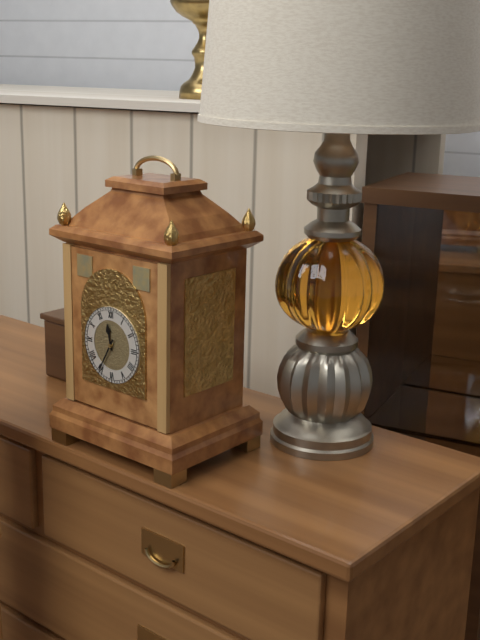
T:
**11:35**
